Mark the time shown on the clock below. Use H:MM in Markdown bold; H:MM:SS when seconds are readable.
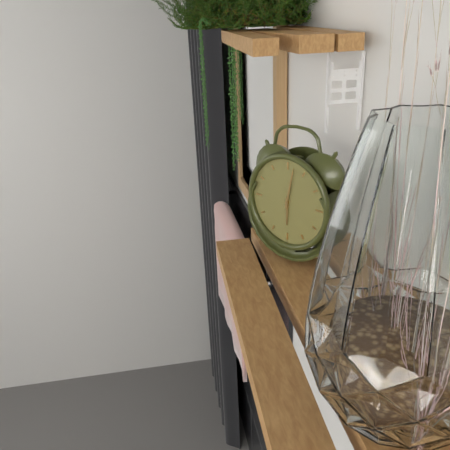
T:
**6:02**
